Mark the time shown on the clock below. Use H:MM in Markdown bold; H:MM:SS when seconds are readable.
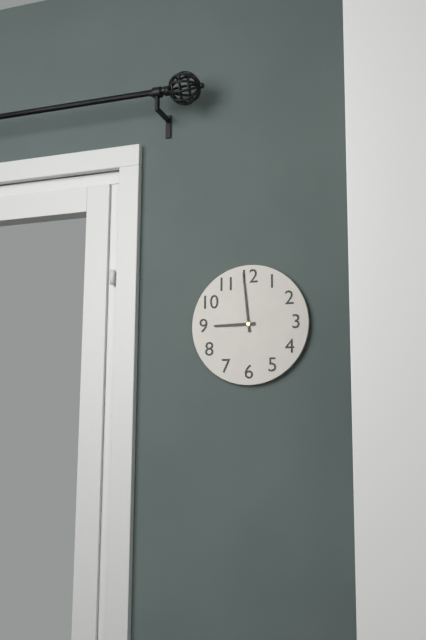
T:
**8:59**
